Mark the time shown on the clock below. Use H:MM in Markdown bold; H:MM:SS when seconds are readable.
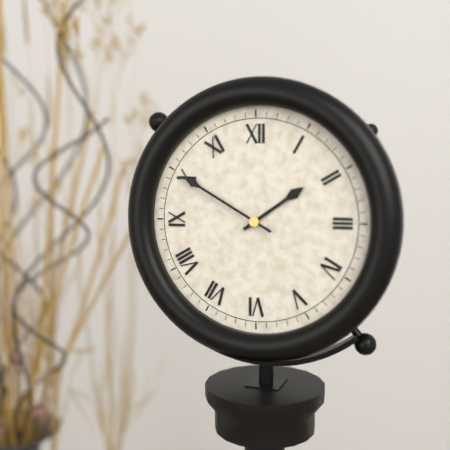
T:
**1:50**
